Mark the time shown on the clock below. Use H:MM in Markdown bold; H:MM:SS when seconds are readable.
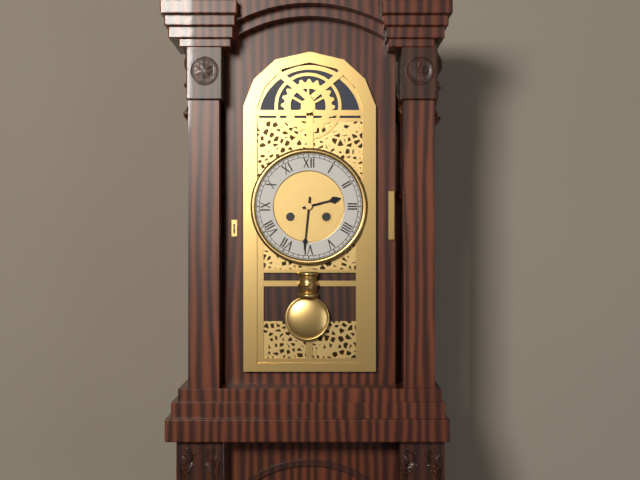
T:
**2:31**
